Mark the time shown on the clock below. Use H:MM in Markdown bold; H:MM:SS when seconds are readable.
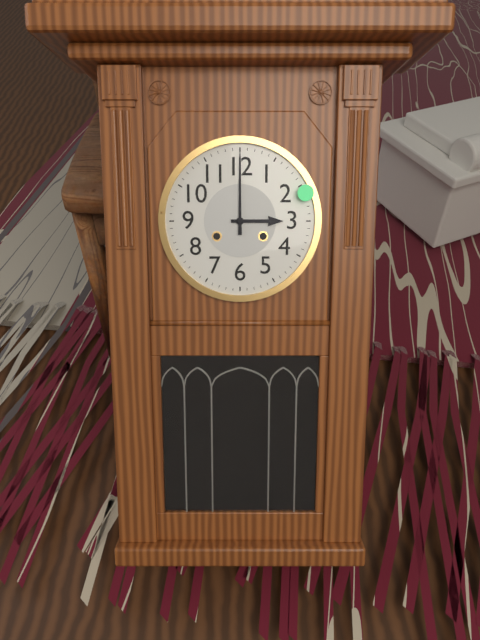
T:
**3:00**
